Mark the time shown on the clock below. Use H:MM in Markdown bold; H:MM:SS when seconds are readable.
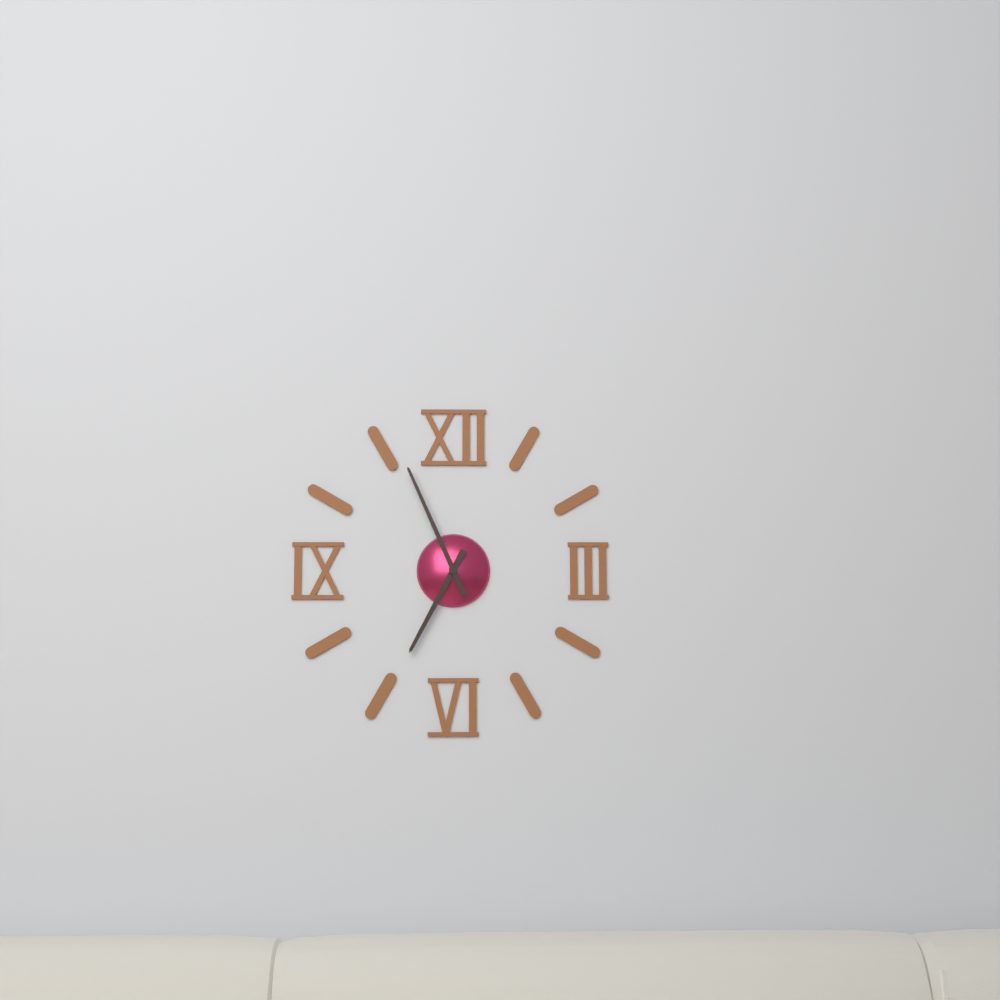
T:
**6:56**
